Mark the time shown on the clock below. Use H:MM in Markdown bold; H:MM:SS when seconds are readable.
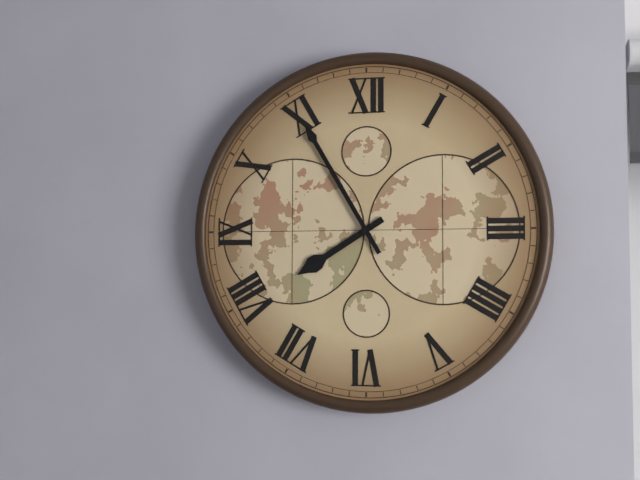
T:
**7:55**
